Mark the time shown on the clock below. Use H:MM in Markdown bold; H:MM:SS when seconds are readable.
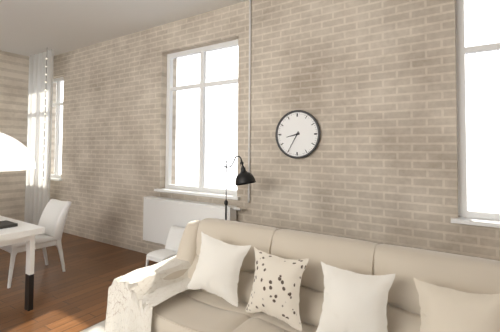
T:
**8:35**
